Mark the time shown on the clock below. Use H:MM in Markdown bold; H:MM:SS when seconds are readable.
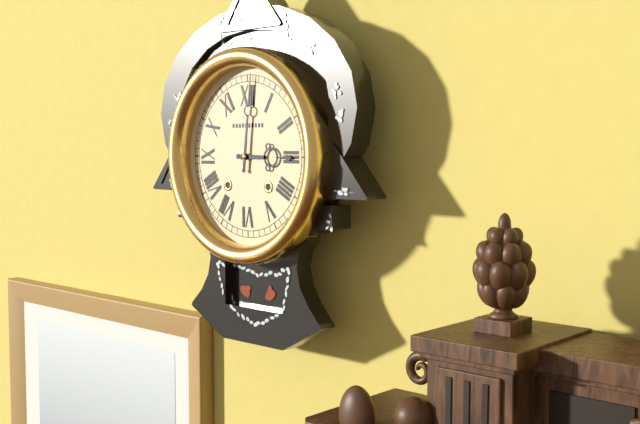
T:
**3:01**
